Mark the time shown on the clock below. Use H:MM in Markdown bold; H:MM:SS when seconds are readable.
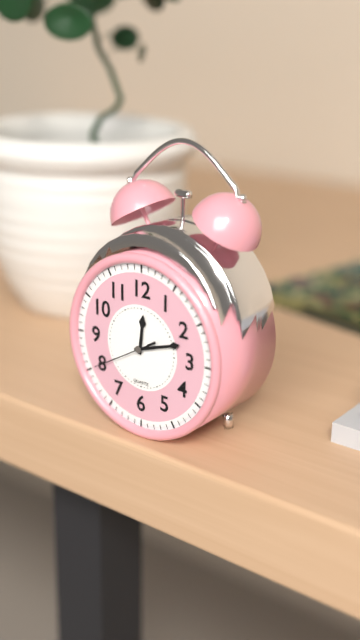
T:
**12:12:40**
